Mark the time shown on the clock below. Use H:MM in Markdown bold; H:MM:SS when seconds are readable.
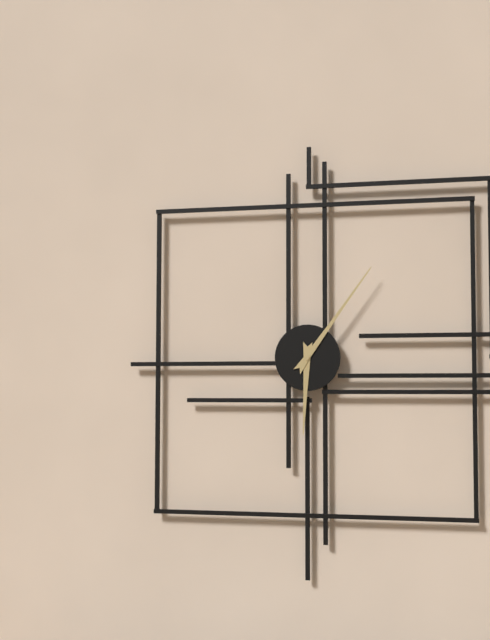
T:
**6:06**
